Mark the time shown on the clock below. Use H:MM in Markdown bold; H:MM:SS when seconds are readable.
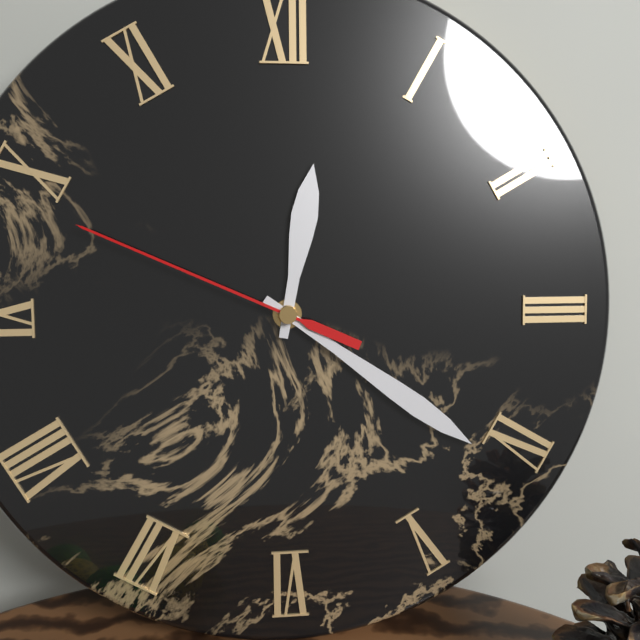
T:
**12:21:49**
